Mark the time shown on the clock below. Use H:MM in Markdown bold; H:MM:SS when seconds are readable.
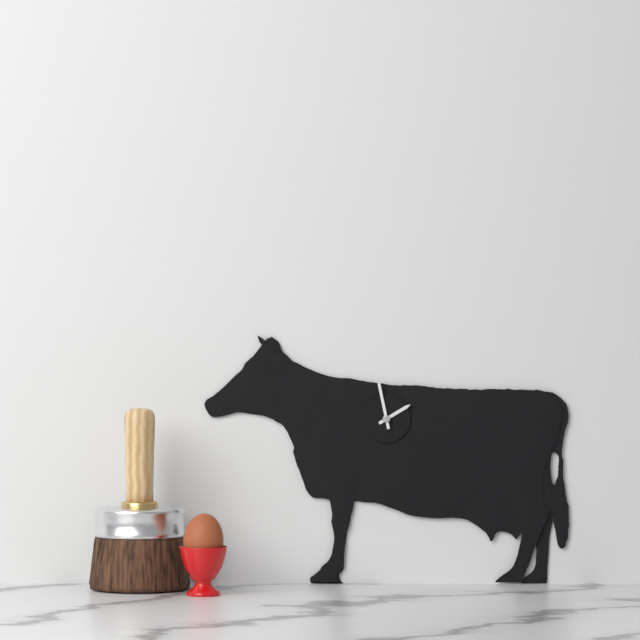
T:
**1:58**
